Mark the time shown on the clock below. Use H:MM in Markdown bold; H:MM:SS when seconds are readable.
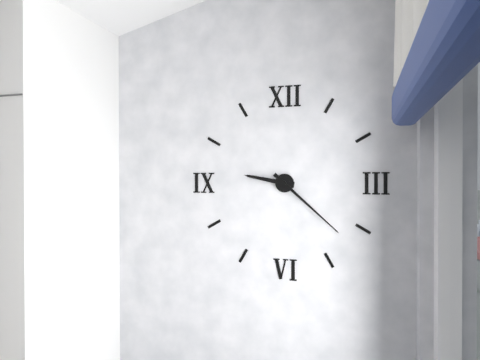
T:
**9:22**
